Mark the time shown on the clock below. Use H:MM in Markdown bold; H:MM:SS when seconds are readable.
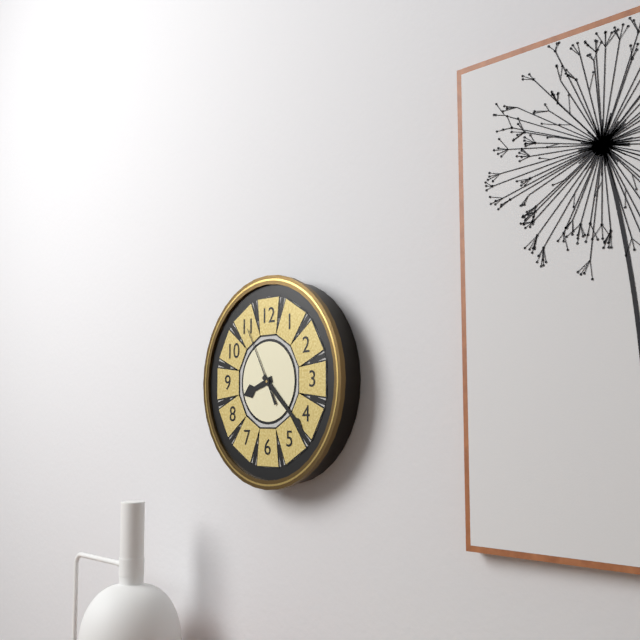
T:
**8:22:55**
